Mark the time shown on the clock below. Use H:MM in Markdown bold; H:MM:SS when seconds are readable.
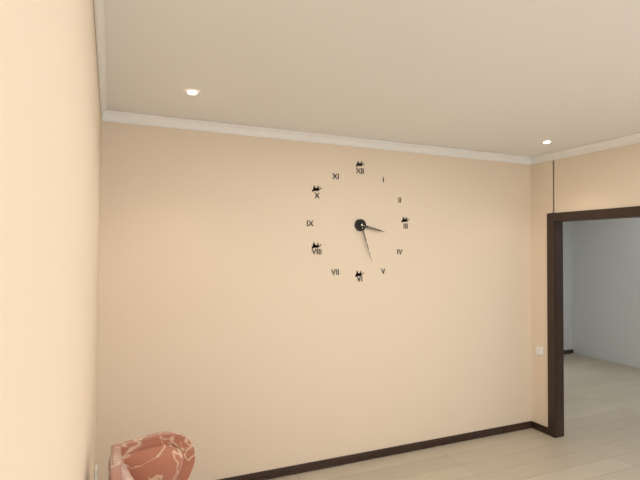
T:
**3:27**
